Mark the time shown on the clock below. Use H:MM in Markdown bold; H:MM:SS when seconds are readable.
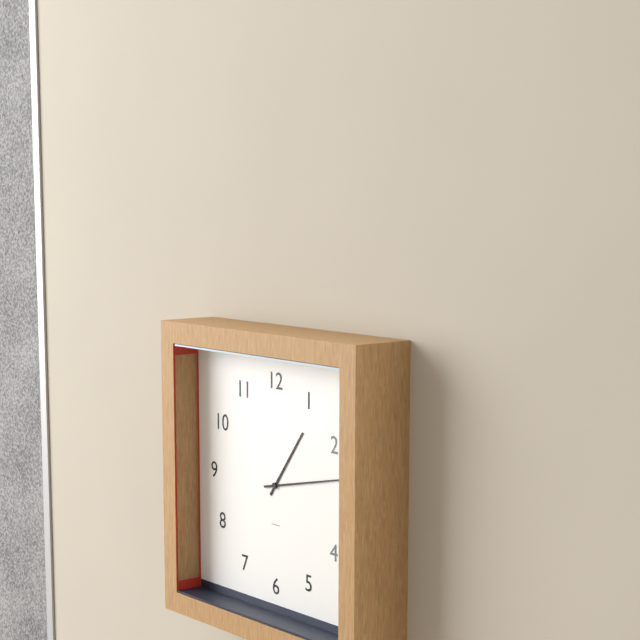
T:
**1:13**
